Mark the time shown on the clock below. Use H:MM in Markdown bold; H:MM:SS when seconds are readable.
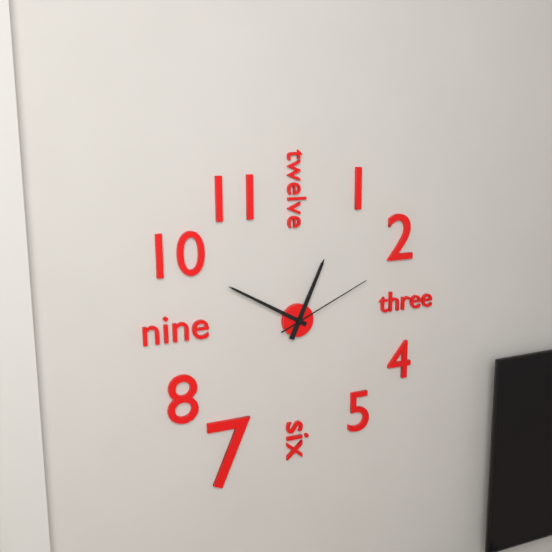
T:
**12:50:11**
